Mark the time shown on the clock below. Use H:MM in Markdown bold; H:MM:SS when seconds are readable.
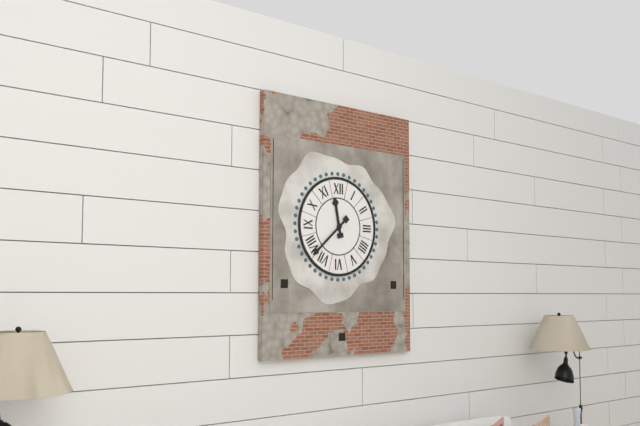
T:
**11:38**
